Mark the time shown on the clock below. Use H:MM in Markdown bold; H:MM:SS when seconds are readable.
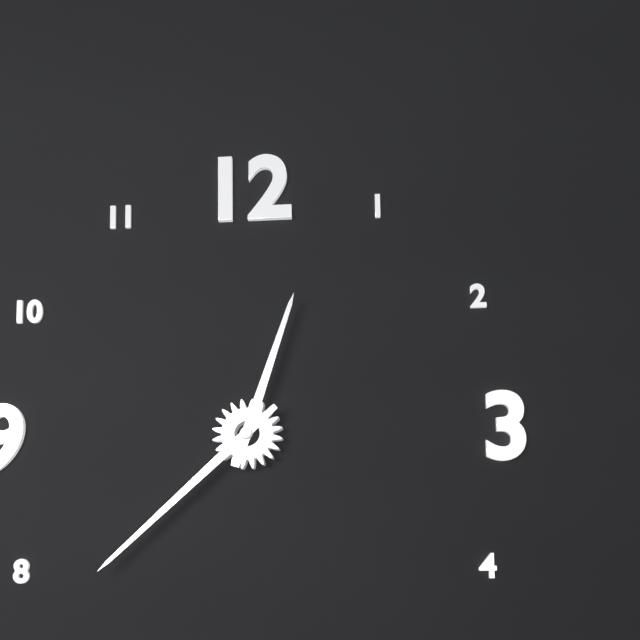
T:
**12:38**
